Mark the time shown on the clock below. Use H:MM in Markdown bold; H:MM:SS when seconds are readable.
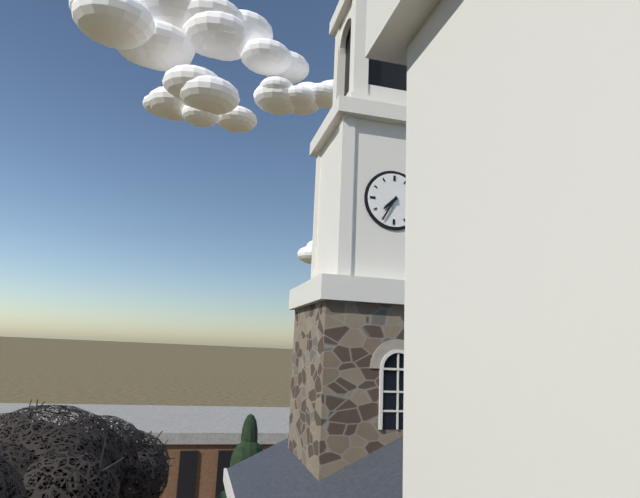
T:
**7:35**
